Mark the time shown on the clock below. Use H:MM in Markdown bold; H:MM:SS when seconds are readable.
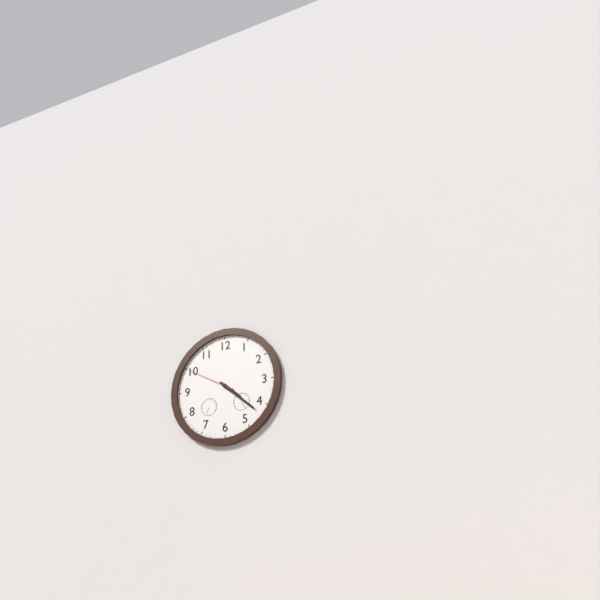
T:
**4:22:50**
